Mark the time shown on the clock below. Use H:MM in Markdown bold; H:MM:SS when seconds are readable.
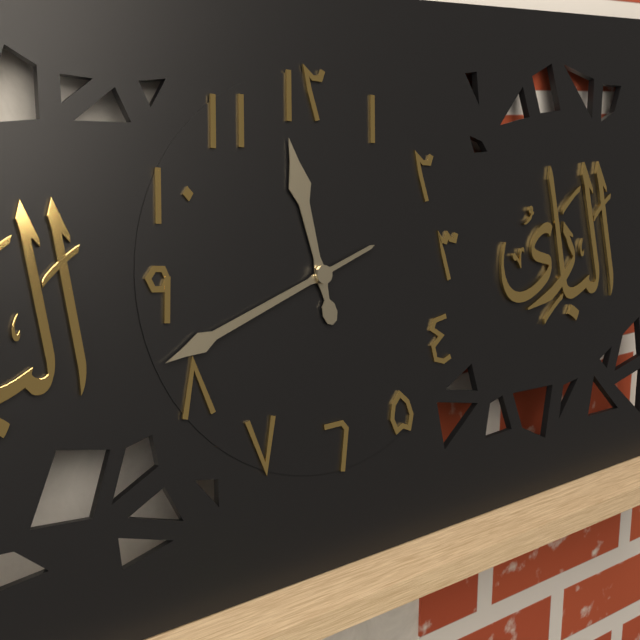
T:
**11:42**
